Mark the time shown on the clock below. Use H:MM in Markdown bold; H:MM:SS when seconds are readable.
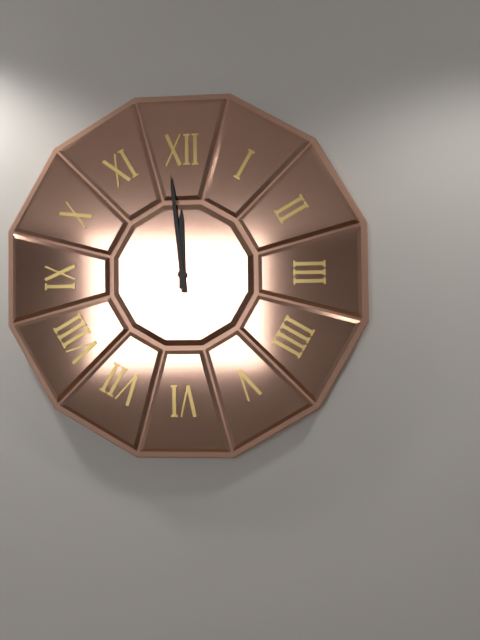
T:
**11:59**
